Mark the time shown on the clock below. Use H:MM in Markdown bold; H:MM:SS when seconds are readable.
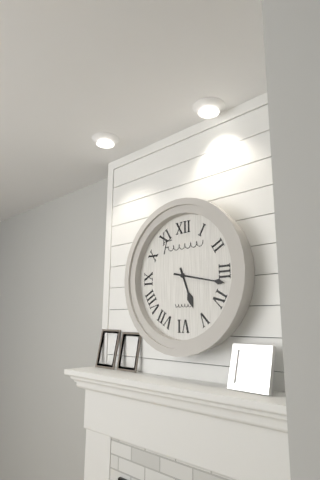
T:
**5:17**
